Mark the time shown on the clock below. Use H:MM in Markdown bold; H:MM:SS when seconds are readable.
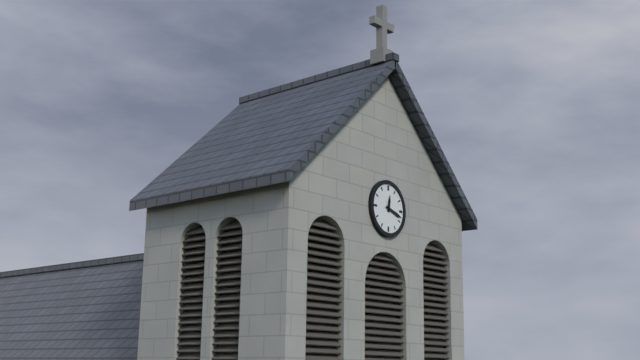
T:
**12:18**
